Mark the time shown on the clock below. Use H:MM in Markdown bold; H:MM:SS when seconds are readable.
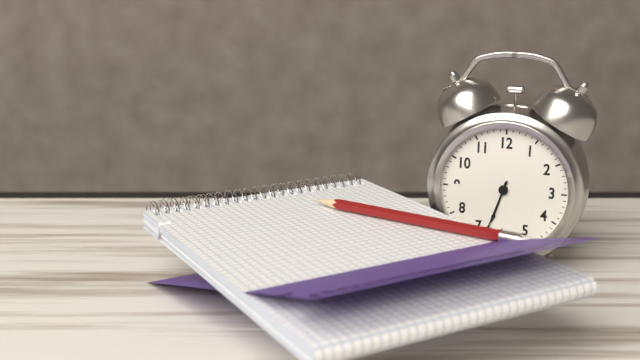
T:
**6:33**
